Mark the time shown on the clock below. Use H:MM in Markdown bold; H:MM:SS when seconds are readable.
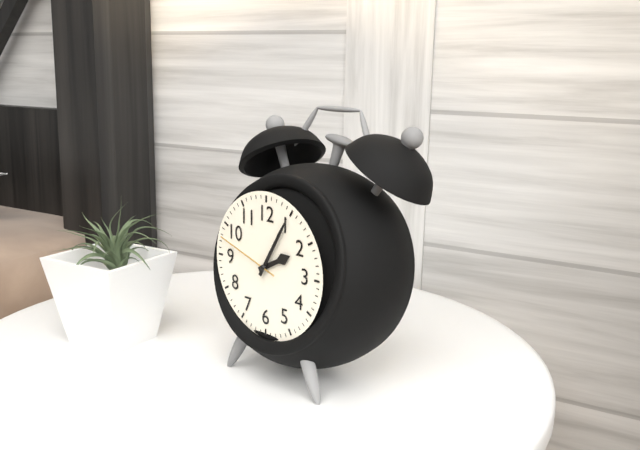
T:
**2:05:48**
